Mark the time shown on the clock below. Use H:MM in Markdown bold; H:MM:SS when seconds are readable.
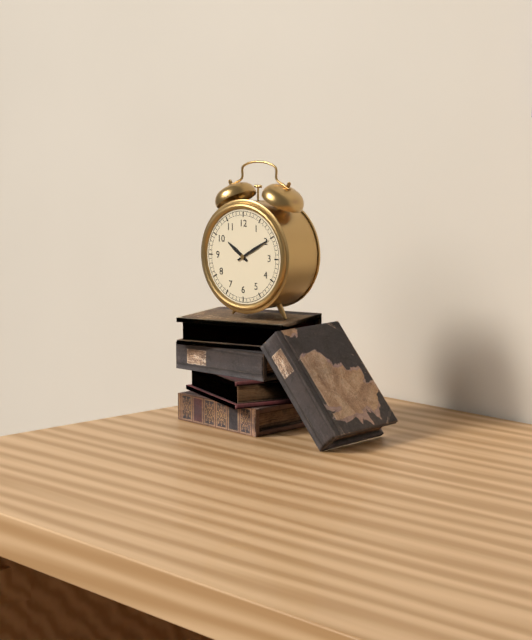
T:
**10:10**
